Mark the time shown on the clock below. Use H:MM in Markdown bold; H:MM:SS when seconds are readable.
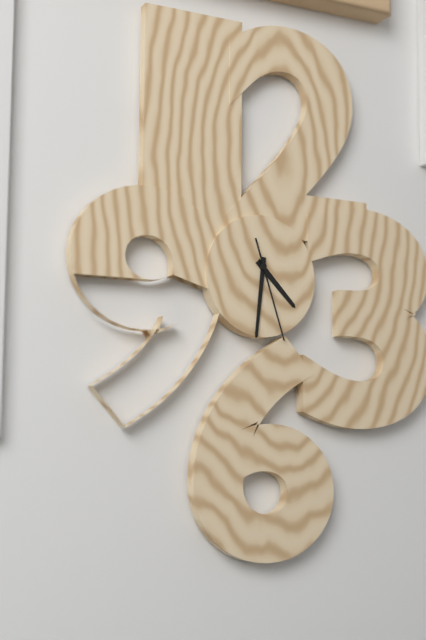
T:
**4:31:27**
